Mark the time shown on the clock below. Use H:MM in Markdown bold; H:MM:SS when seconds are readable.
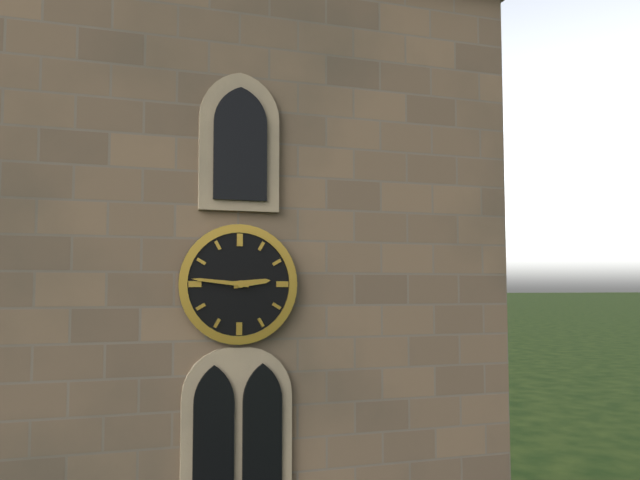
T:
**2:46**
